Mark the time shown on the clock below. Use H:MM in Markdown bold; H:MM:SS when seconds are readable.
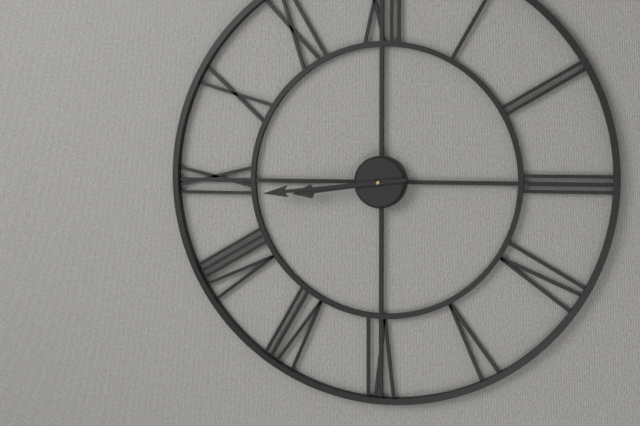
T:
**8:44**
